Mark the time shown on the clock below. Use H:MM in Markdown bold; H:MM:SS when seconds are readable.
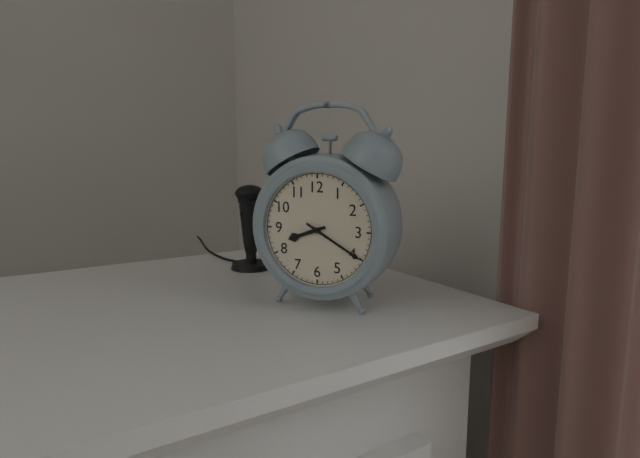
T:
**8:20**
